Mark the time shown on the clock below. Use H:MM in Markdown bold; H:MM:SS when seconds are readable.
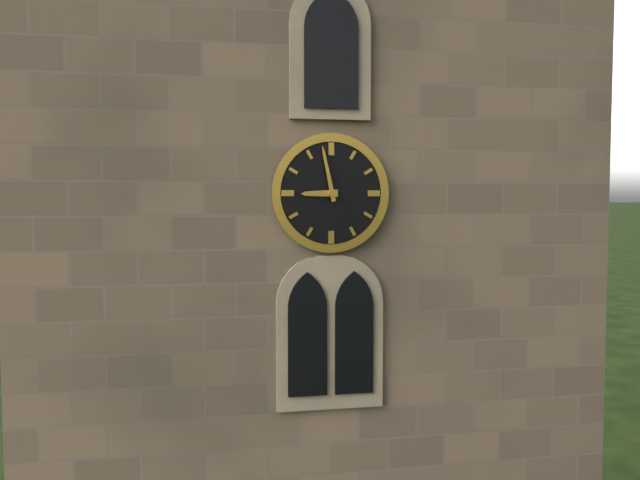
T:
**8:58**
